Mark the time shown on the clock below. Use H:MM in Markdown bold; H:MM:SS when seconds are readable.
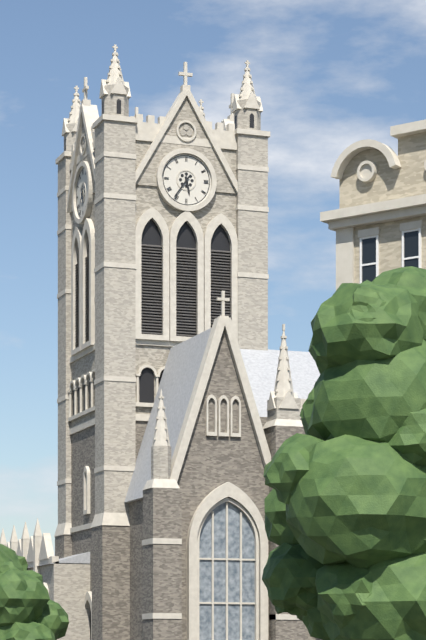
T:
**5:36**
